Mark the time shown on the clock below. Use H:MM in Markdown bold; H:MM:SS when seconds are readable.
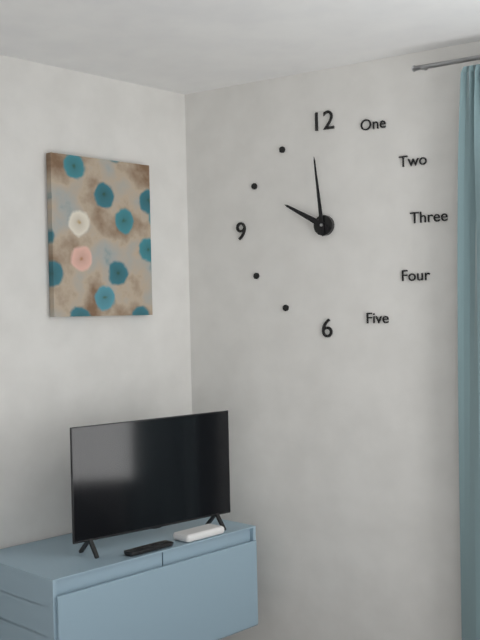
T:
**9:59**
